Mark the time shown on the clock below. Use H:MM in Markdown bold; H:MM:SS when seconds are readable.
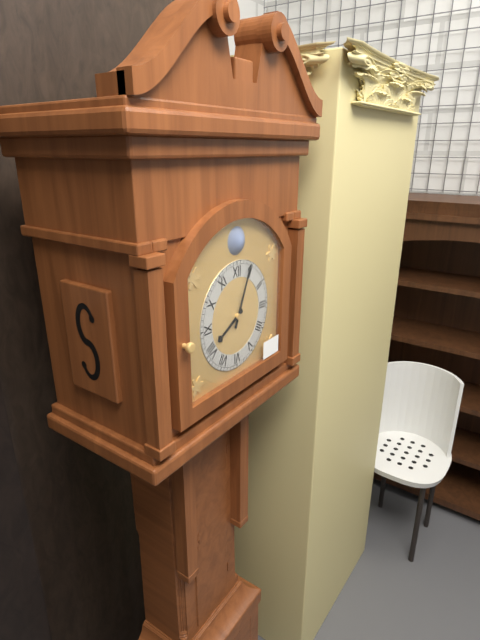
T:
**8:04**
